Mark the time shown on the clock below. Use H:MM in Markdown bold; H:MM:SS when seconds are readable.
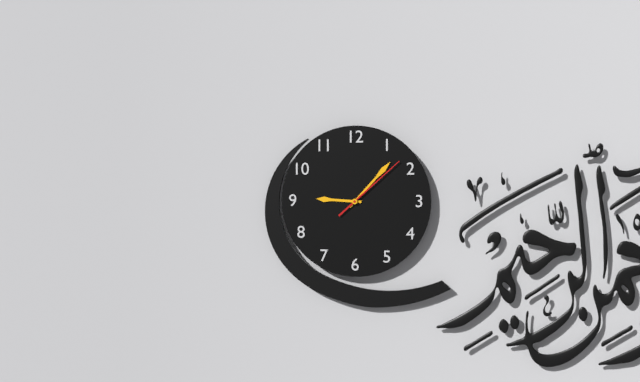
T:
**9:07:08**
